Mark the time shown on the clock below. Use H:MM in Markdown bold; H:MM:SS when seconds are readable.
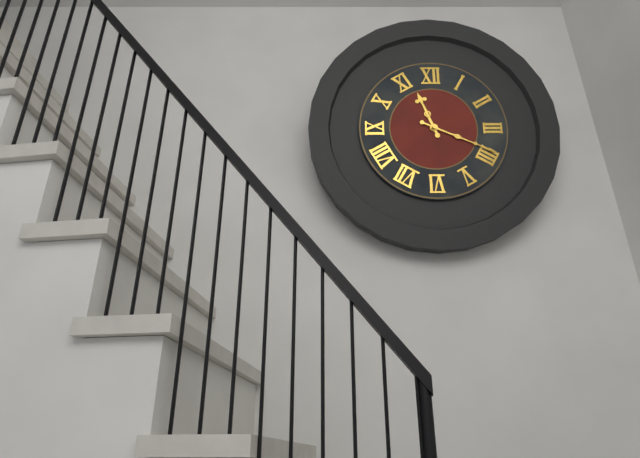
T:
**11:19**
